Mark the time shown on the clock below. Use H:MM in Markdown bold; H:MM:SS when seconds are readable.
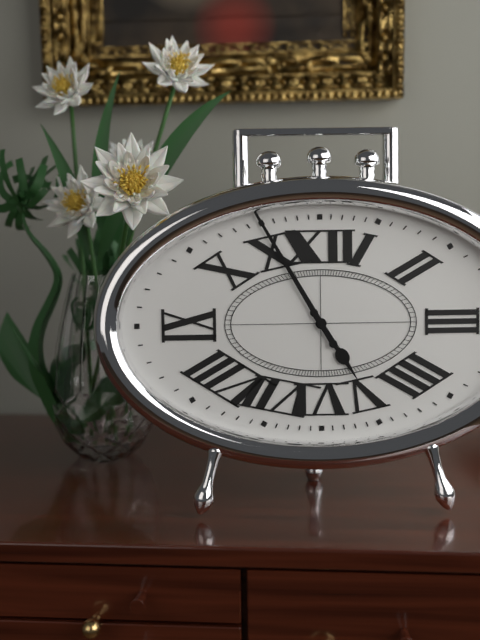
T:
**4:55**
